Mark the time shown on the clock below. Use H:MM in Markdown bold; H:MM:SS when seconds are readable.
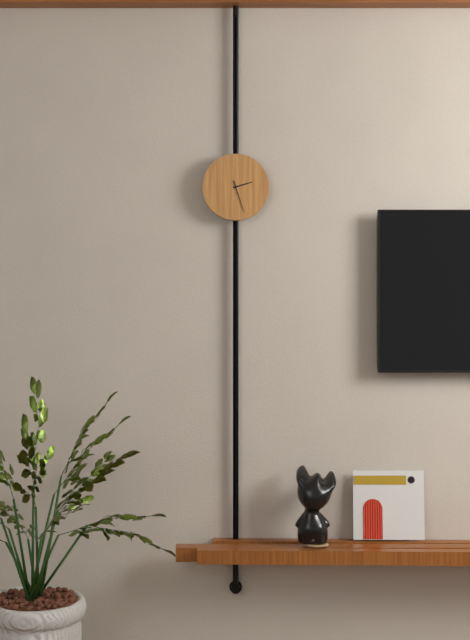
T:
**2:27**
